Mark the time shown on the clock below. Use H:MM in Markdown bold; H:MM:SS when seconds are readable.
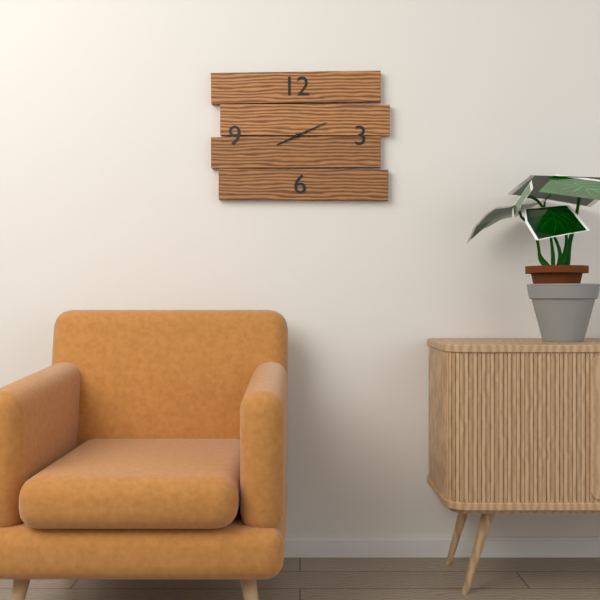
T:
**8:11**
